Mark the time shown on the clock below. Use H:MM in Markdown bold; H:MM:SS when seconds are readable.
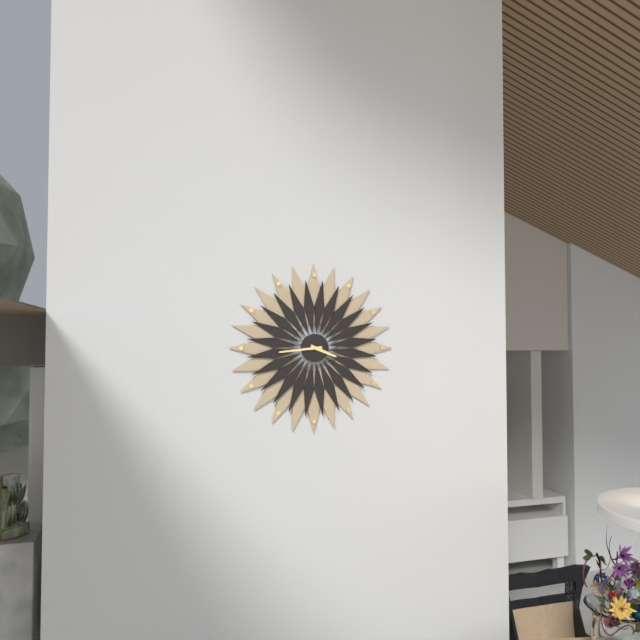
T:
**3:44**
